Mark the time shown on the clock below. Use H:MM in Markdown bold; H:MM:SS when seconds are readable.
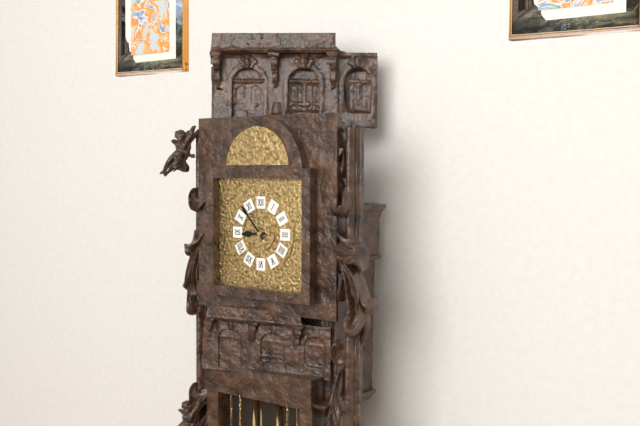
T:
**8:53**
